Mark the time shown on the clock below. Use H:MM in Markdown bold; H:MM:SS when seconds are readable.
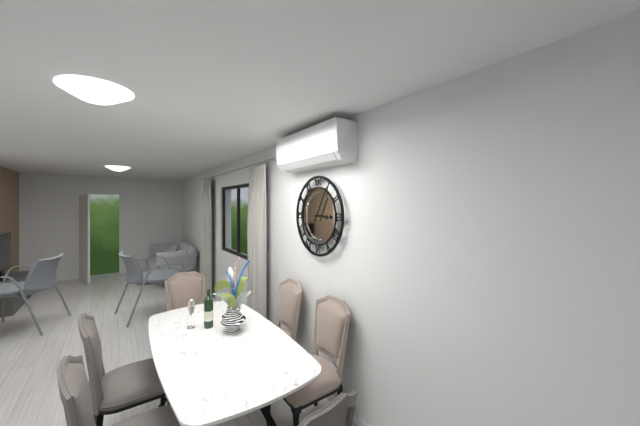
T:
**3:05**
